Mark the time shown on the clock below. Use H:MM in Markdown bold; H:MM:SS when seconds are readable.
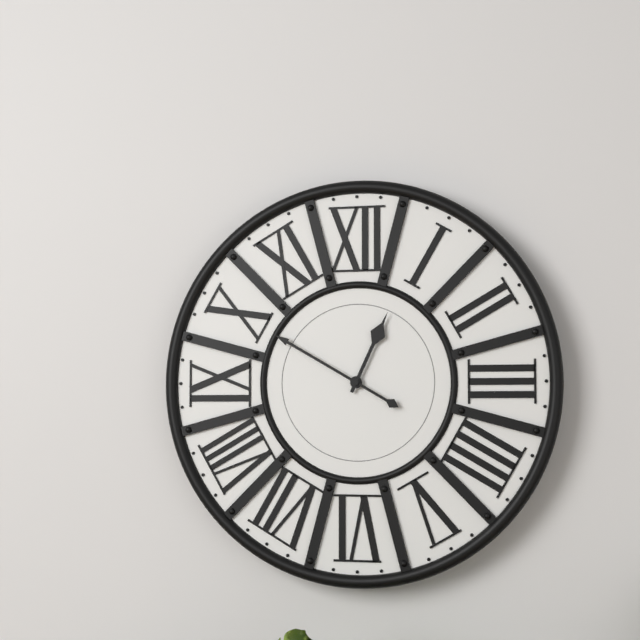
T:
**12:50**
